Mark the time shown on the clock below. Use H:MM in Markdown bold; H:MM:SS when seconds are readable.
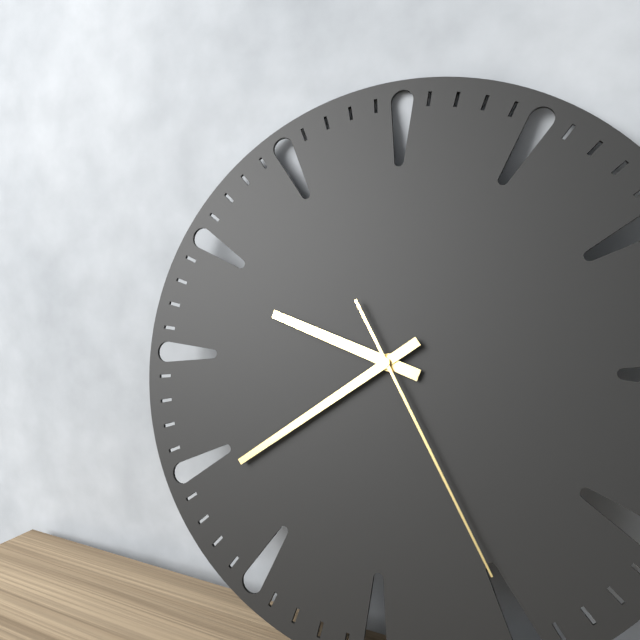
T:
**9:39:25**
